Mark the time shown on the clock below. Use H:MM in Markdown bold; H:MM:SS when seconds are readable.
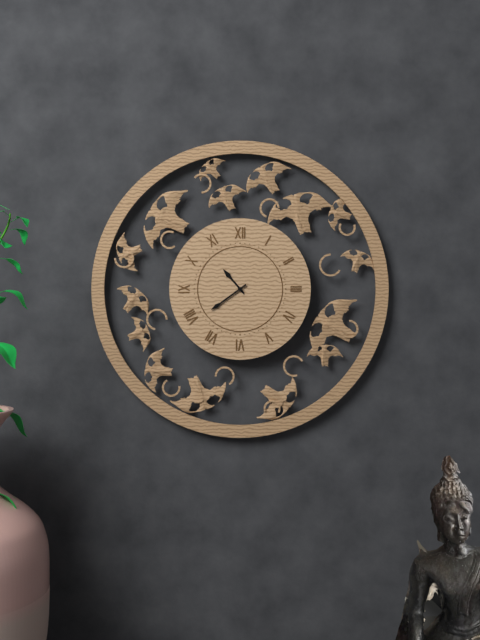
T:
**10:39**
